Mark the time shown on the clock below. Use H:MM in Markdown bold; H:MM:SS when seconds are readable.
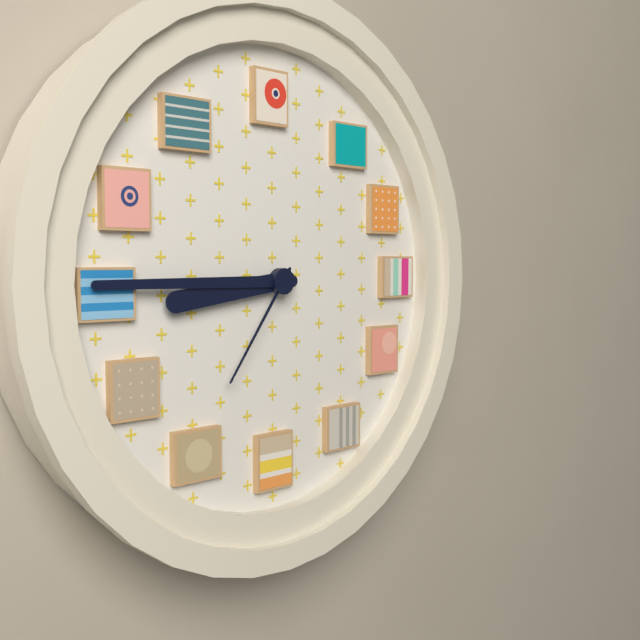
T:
**8:45:36**
